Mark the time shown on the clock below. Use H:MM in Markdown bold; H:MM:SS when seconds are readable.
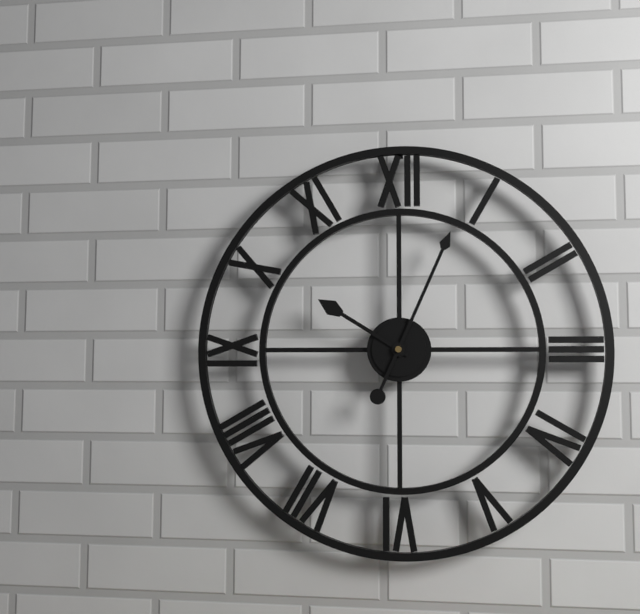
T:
**10:04**
